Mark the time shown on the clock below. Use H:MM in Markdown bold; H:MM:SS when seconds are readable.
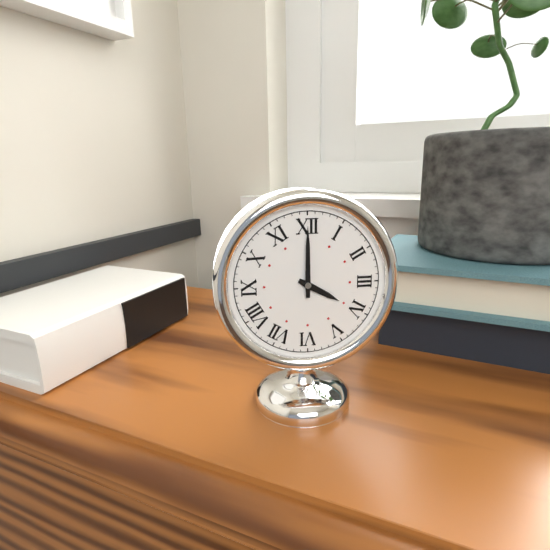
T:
**4:00**
